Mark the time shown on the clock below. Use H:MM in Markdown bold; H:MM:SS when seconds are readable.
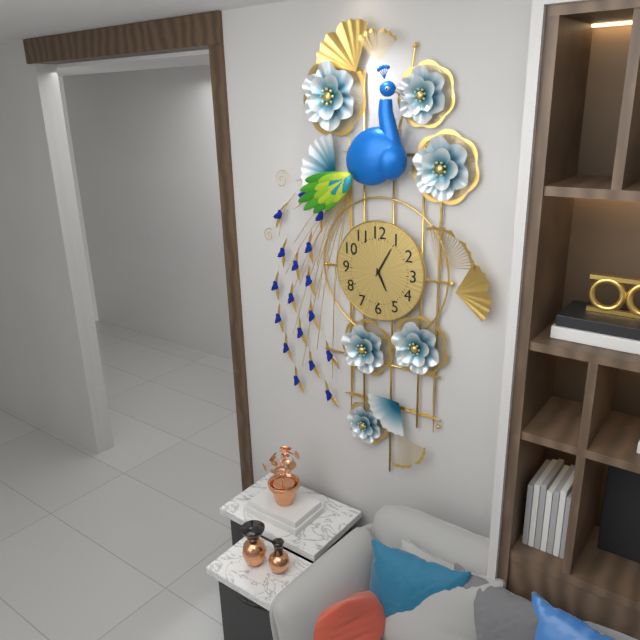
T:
**5:05**
